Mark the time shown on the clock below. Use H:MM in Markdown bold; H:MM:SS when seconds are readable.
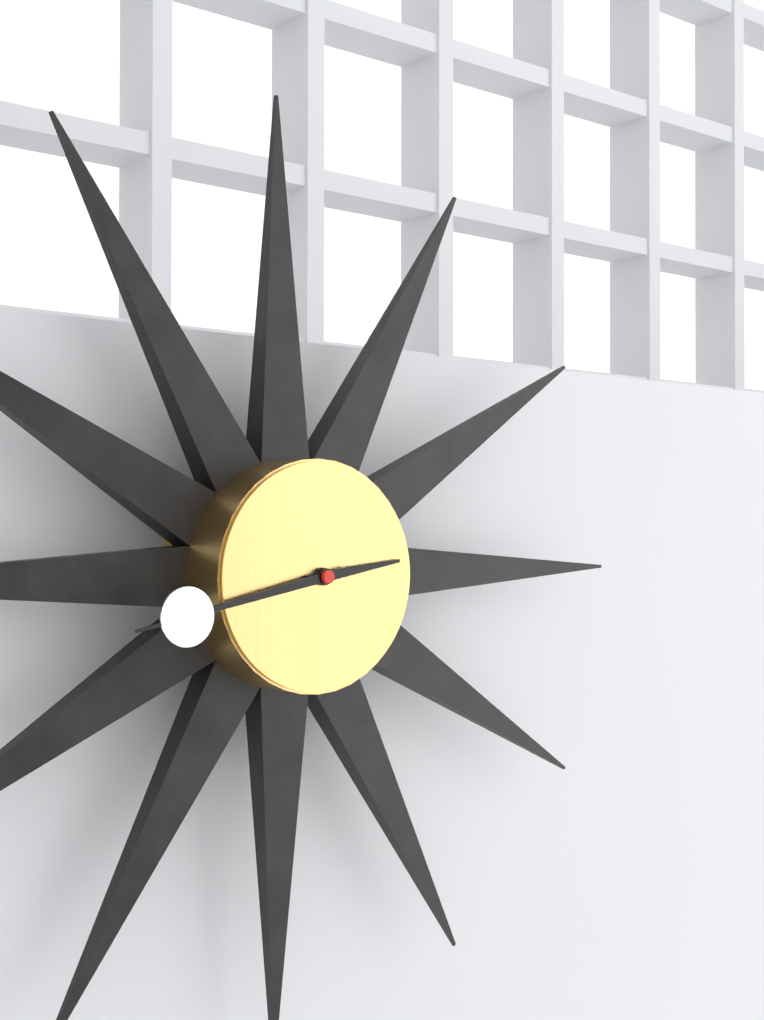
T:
**2:43**
